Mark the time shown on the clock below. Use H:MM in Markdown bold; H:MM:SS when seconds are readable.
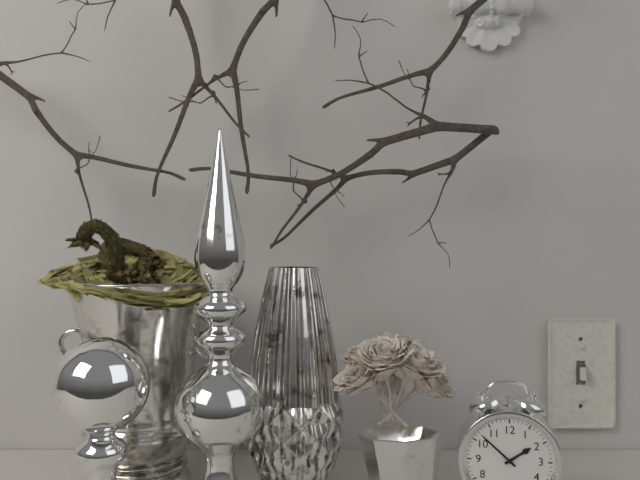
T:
**1:52**
